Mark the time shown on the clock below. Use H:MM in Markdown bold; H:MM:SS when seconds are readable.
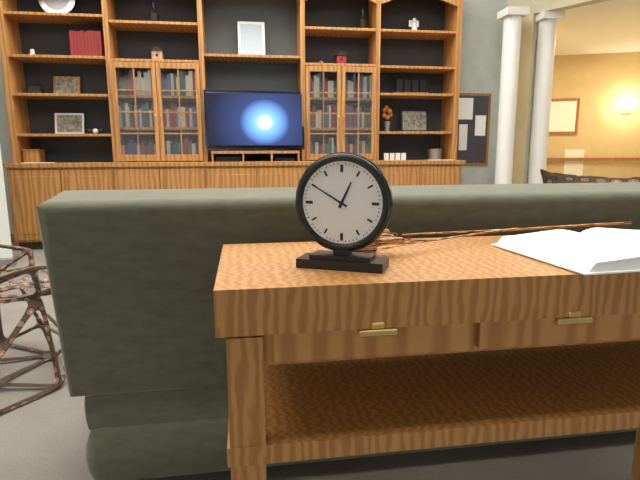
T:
**12:50**
